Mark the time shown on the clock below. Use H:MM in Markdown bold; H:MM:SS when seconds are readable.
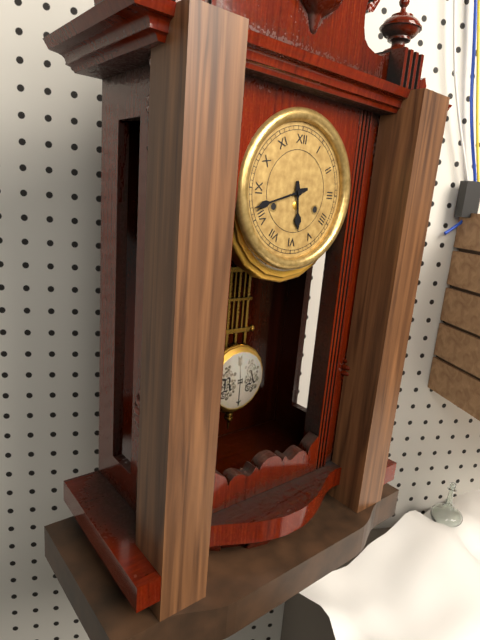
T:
**5:42**
